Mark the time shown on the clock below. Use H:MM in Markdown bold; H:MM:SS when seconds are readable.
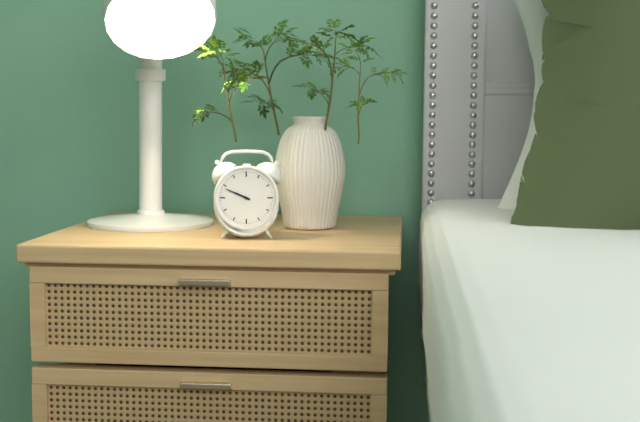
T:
**9:49**
